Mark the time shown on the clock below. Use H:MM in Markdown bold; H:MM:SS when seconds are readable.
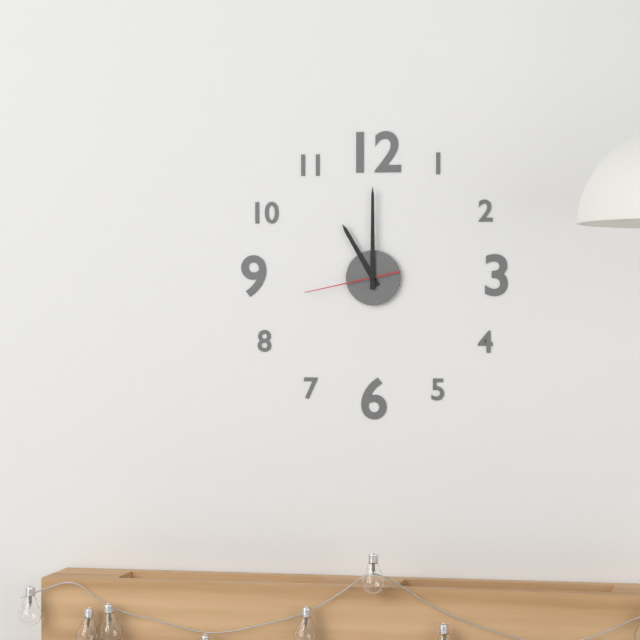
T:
**11:00:43**
